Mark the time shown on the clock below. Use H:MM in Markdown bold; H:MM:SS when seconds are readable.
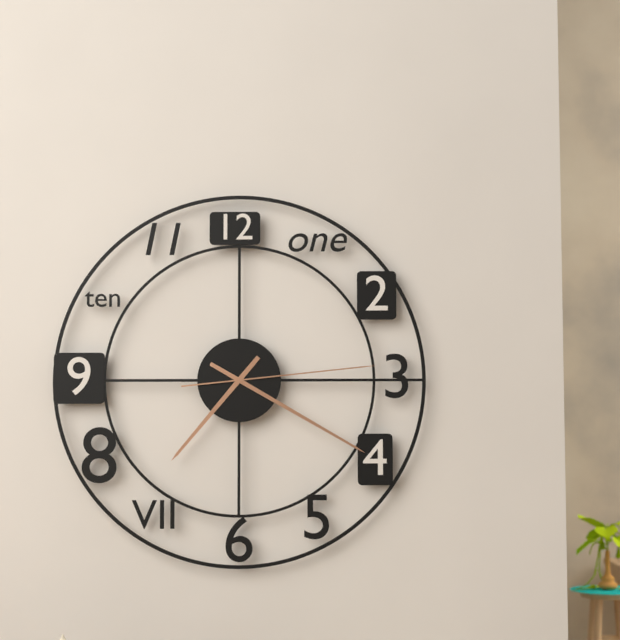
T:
**7:20:14**
